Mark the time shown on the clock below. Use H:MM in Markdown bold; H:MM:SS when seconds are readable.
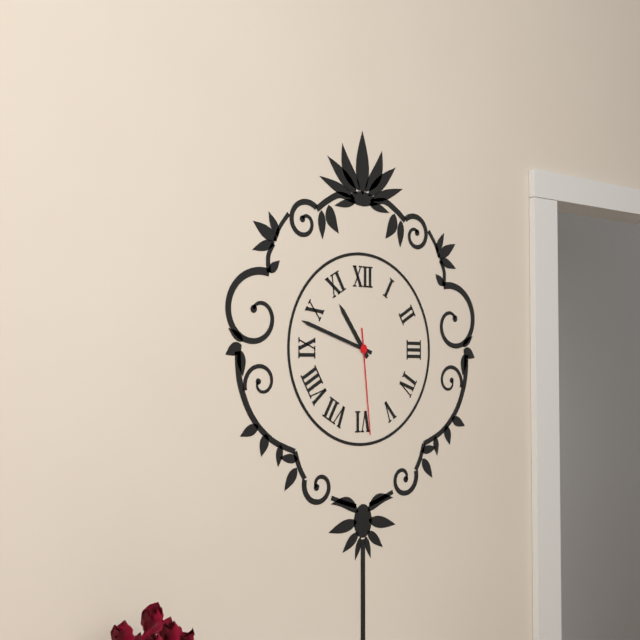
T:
**10:48:29**
